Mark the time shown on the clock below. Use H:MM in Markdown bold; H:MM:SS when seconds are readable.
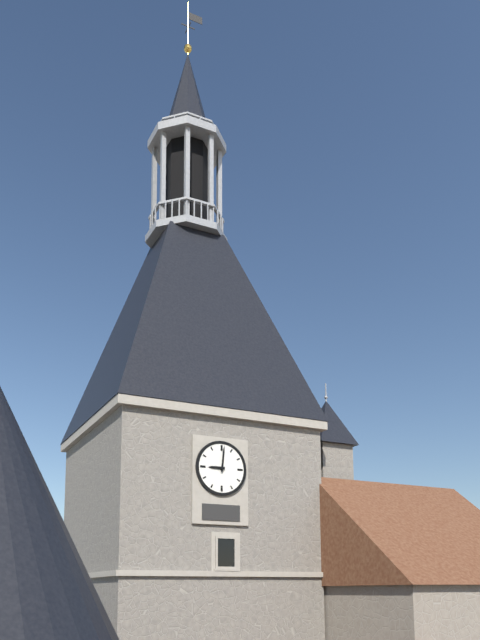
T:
**9:01**
